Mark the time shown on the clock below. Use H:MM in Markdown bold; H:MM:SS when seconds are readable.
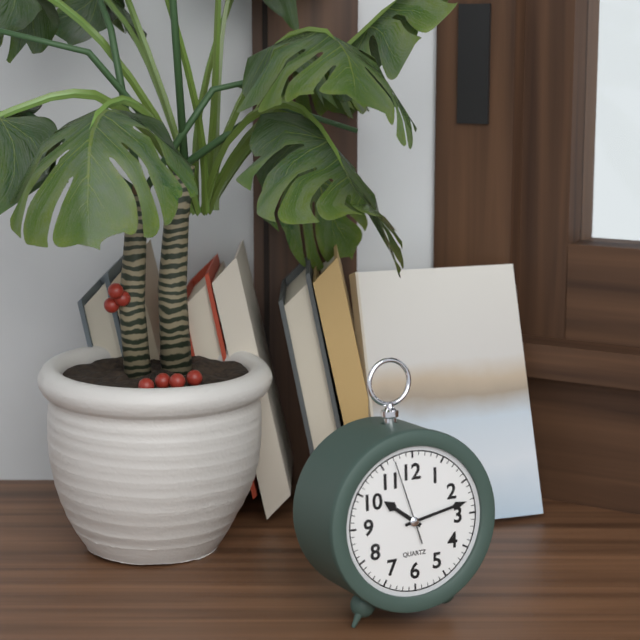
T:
**10:13:57**
